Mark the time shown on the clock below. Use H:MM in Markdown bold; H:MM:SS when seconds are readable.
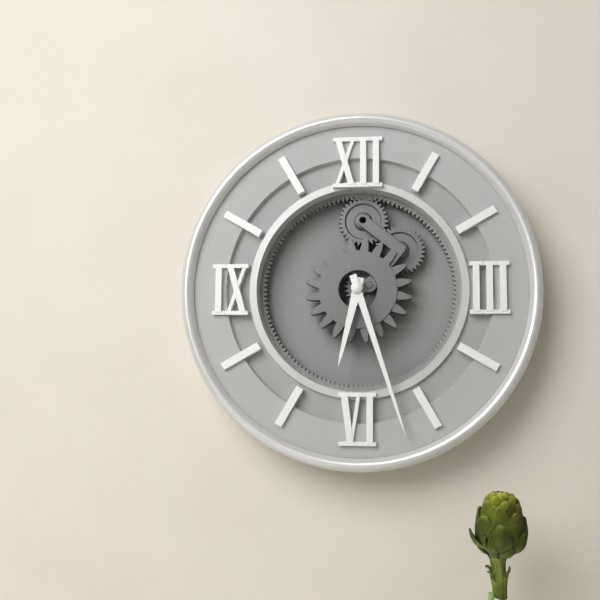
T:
**6:27**
